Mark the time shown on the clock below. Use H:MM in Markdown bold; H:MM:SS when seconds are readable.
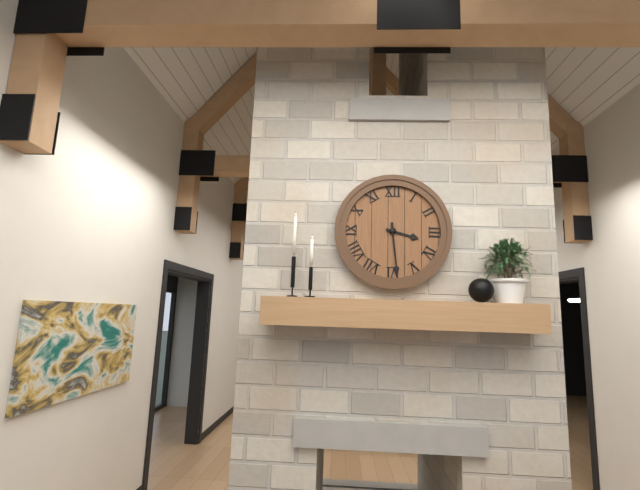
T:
**3:29**
